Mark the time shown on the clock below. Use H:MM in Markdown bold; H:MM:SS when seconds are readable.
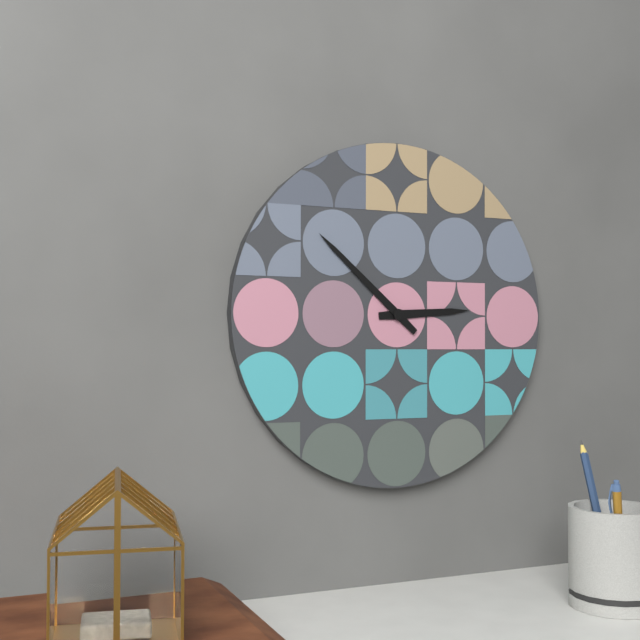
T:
**2:52**
